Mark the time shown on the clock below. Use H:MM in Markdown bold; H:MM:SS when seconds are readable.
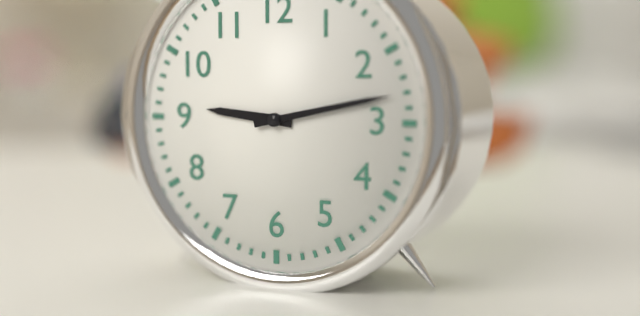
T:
**9:13**
